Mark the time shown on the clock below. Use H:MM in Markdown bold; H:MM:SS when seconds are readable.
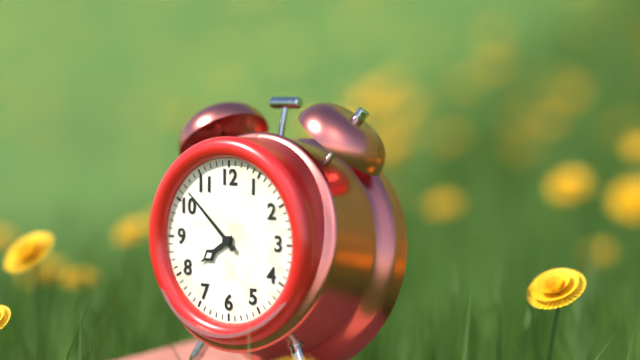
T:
**7:52**
